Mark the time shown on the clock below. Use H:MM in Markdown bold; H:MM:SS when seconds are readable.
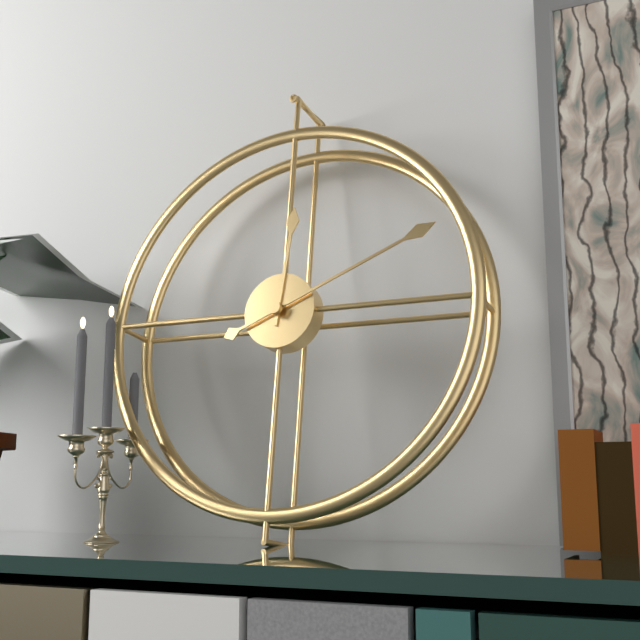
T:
**12:11**
